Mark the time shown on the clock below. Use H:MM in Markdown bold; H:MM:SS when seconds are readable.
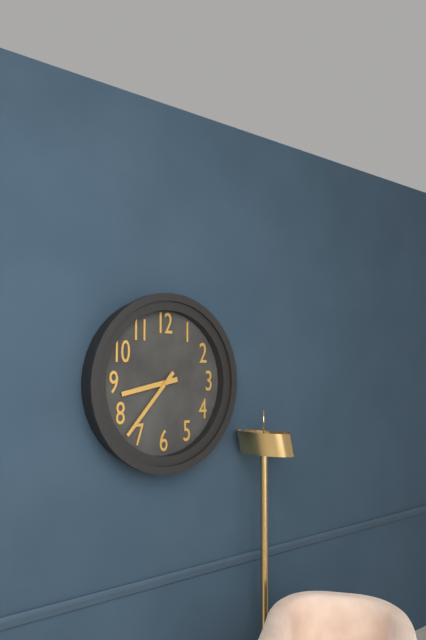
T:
**8:37**
